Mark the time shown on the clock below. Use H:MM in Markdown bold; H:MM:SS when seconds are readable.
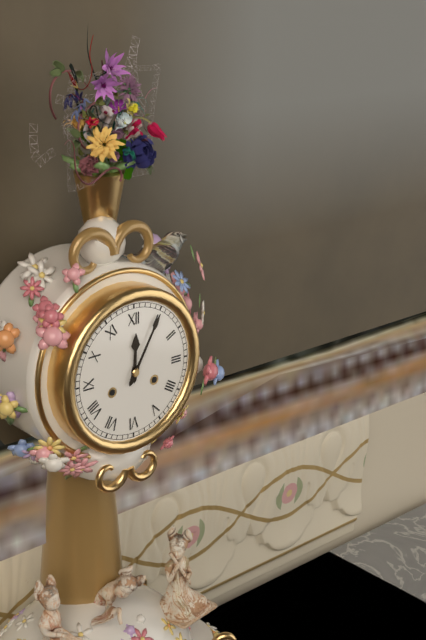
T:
**12:05**
